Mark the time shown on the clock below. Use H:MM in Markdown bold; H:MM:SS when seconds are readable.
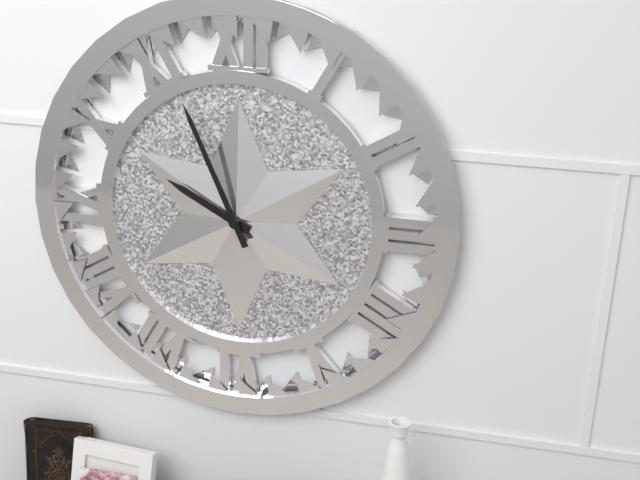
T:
**9:56**
